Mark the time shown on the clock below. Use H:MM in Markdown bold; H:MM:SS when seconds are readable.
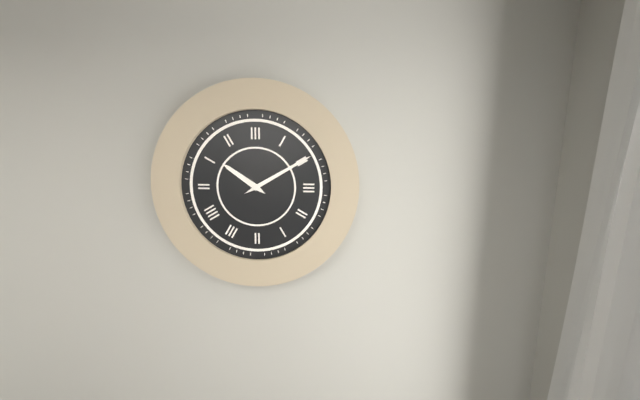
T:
**10:10**
